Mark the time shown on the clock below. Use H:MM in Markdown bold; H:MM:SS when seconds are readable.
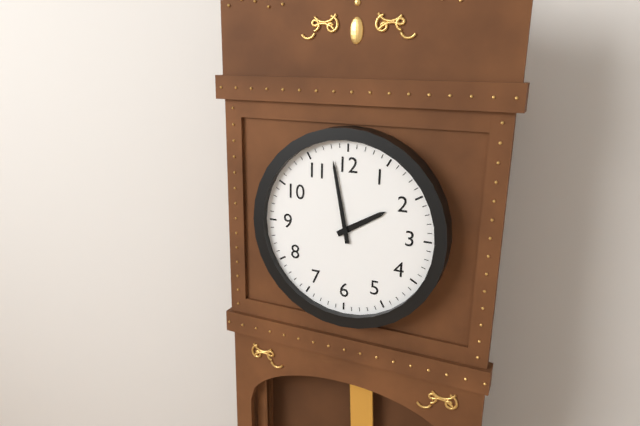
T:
**1:58**
